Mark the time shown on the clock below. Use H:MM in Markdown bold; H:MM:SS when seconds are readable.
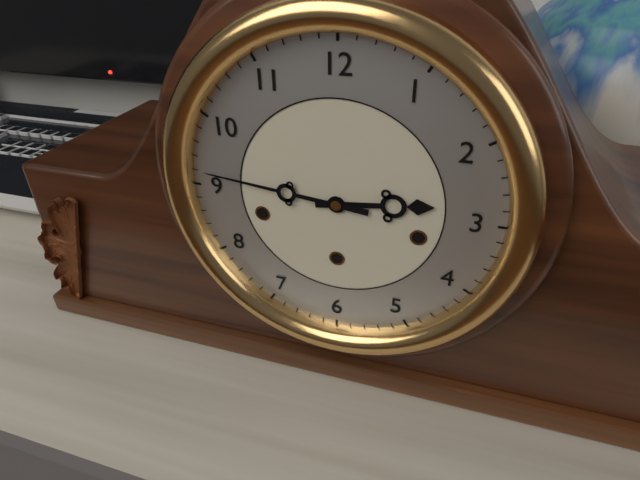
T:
**2:46**
